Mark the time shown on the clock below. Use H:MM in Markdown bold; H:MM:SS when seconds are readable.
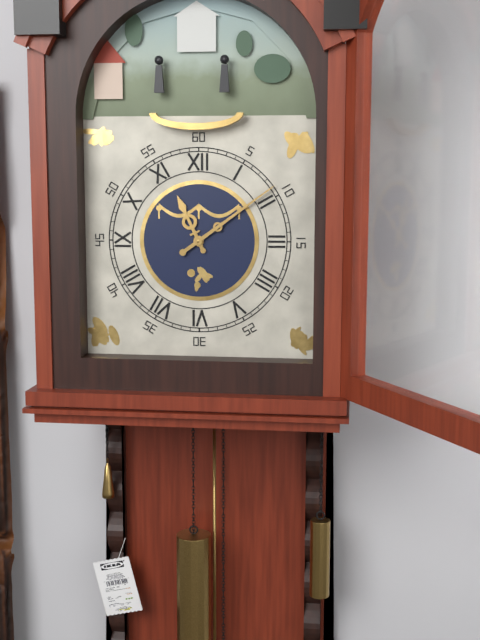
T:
**11:09**
